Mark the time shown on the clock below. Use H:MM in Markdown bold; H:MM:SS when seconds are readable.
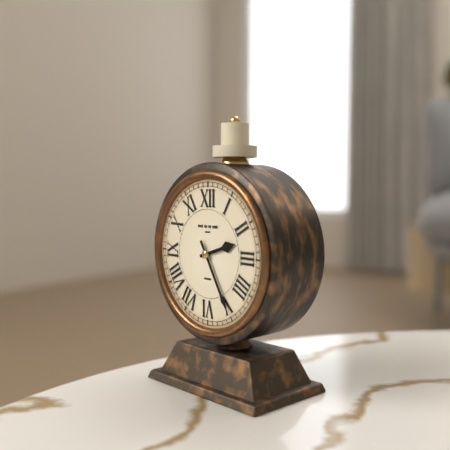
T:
**2:25**
